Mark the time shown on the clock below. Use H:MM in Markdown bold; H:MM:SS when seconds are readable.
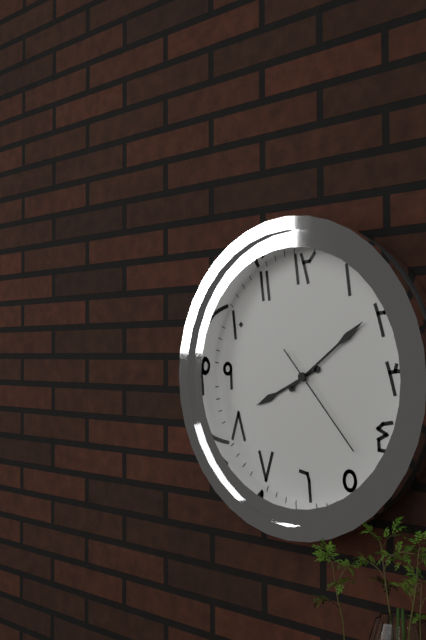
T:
**8:09:23**
